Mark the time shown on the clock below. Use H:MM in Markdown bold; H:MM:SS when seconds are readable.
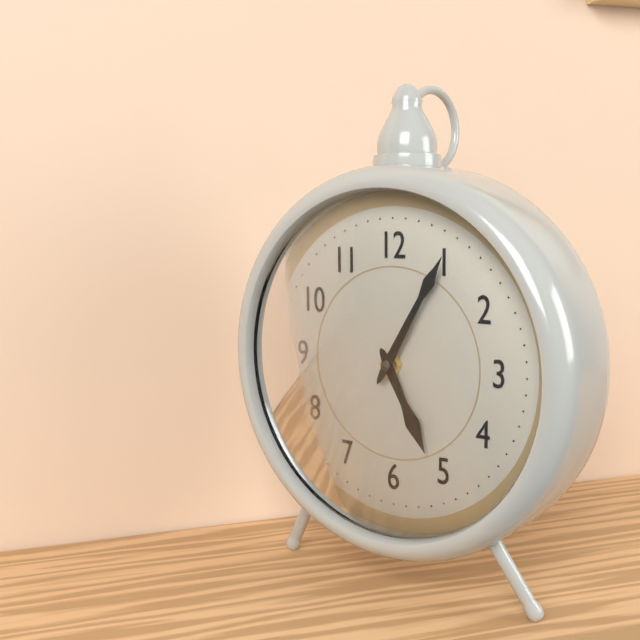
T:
**5:05**
